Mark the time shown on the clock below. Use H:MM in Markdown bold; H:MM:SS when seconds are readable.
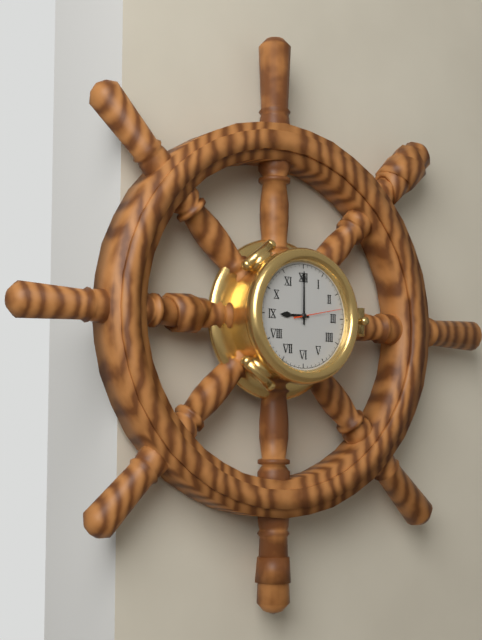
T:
**9:00**
